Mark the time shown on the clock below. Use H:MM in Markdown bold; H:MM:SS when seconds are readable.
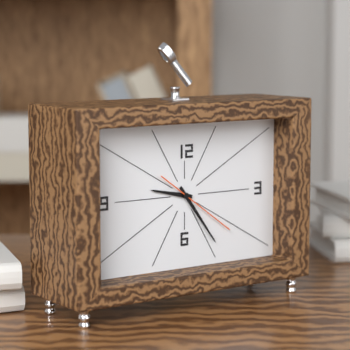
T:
**9:24:21**
